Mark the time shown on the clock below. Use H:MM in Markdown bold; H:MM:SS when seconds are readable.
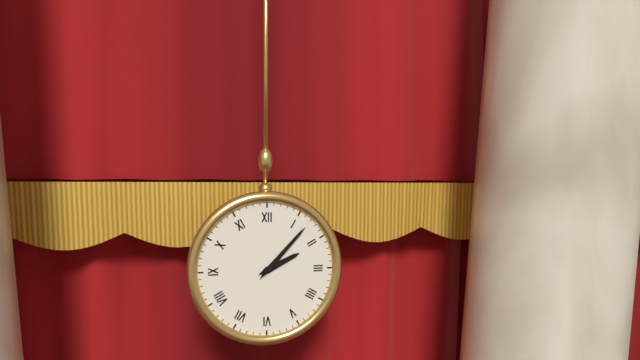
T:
**2:07**
